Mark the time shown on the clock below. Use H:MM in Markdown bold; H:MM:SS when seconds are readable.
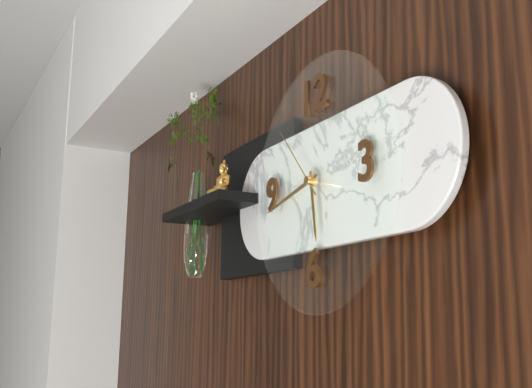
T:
**5:43:53**
